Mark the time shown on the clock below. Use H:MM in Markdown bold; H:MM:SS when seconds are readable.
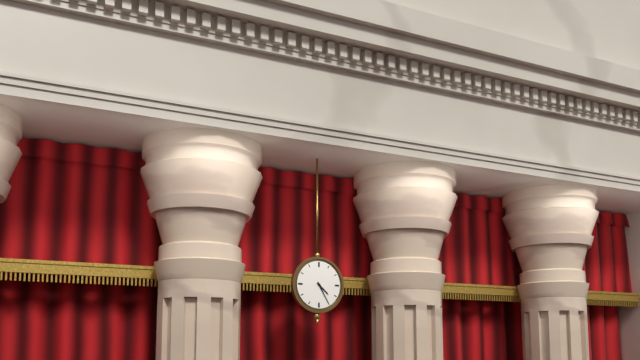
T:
**4:25**
